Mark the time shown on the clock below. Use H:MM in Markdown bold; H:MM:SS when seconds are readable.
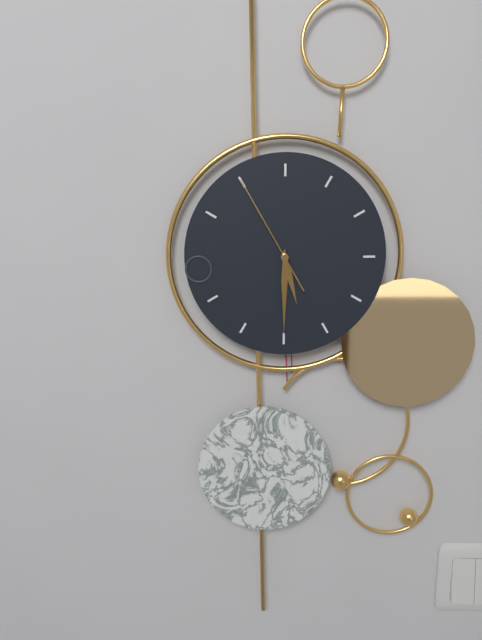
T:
**5:30:55**
